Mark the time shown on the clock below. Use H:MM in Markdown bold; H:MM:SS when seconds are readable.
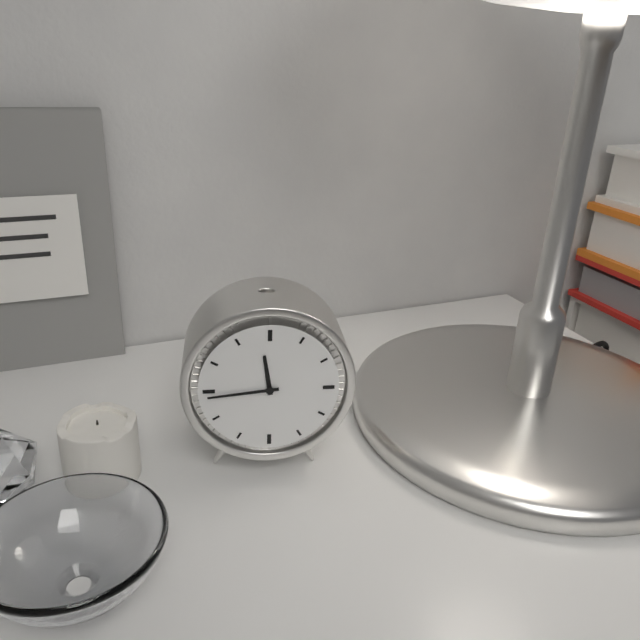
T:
**11:44**
